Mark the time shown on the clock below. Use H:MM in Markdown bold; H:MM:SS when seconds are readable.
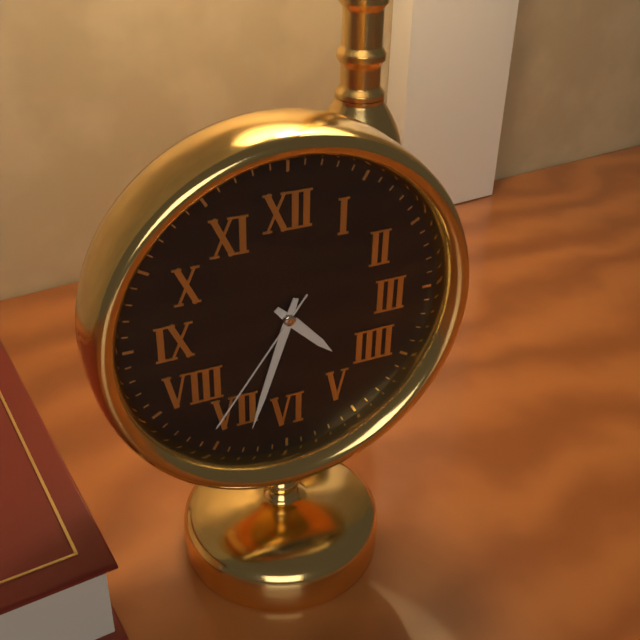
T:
**4:33:36**
